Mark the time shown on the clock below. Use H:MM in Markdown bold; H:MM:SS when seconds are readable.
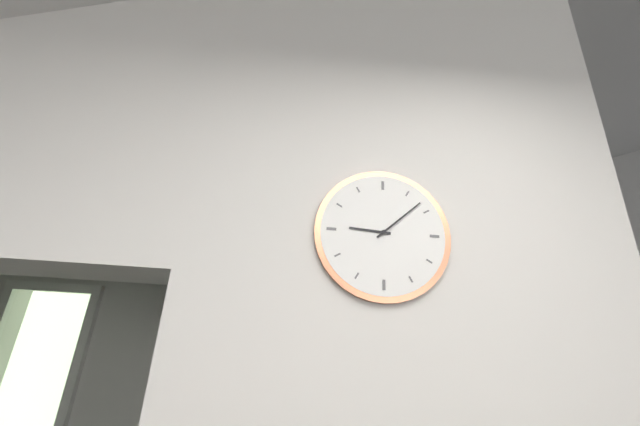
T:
**9:08**
